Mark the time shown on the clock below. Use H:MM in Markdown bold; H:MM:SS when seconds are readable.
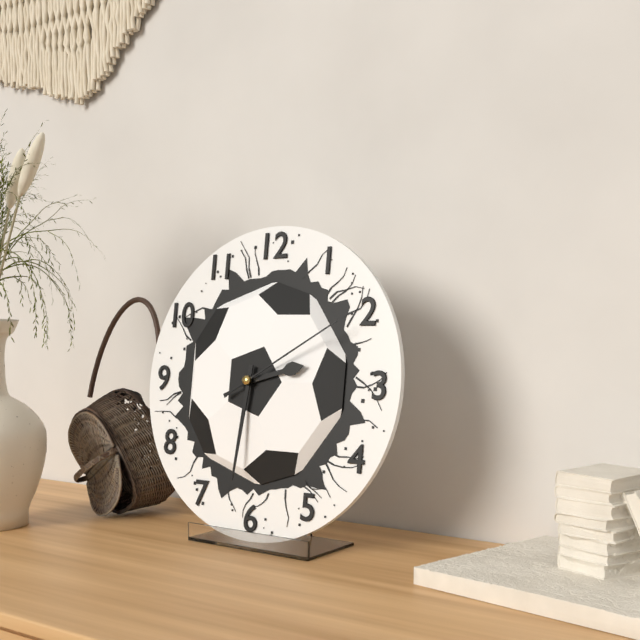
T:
**2:31:10**
